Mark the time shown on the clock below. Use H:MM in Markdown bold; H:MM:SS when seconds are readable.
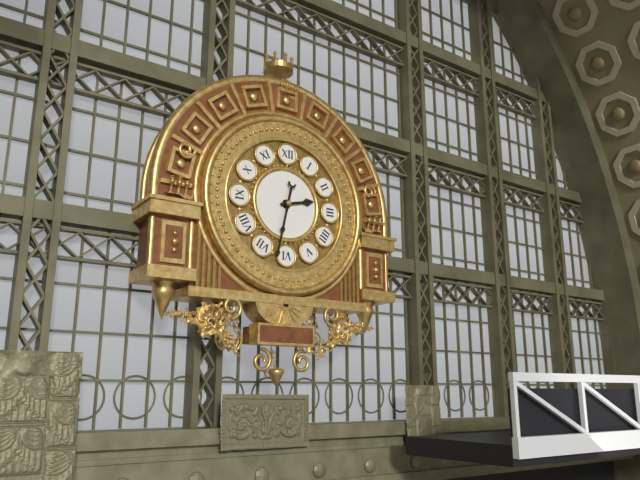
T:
**2:32**
